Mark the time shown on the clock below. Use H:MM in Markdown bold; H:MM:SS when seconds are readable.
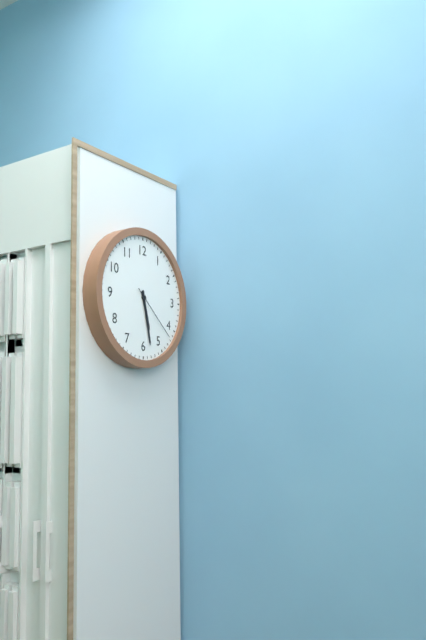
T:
**5:28:22**
